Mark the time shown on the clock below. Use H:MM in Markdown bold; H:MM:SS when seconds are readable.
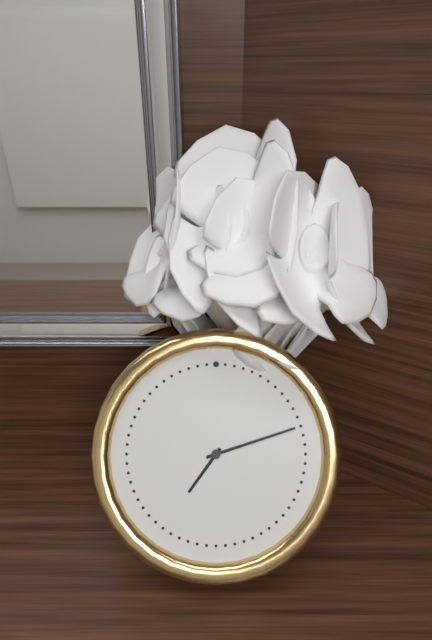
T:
**7:12**
